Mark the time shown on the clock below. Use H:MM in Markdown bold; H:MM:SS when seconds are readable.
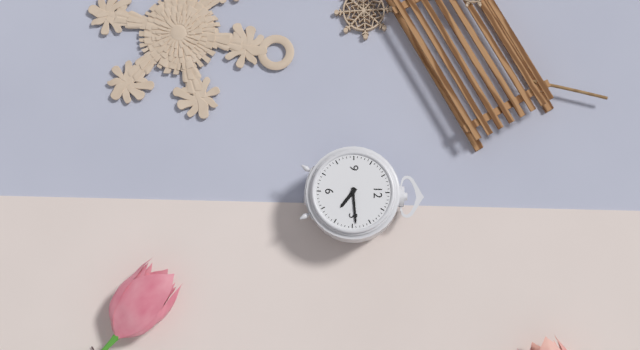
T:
**4:14**
